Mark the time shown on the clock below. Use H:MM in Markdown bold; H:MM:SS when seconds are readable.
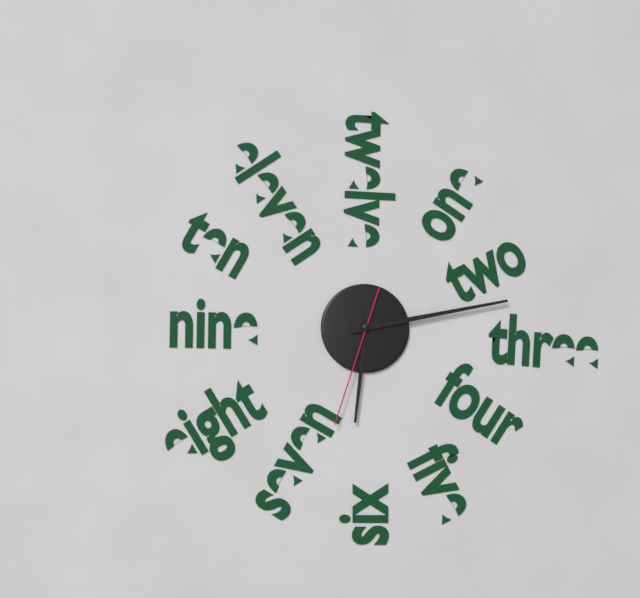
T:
**6:13:33**
